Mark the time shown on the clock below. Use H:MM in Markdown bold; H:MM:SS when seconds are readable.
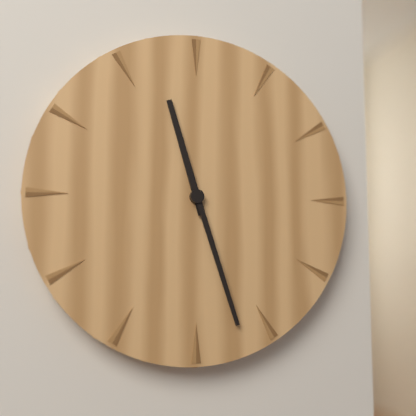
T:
**11:27**
